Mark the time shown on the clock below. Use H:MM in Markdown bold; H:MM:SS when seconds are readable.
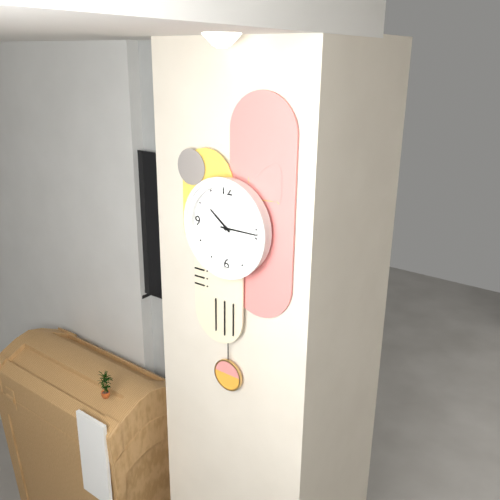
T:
**10:15**
